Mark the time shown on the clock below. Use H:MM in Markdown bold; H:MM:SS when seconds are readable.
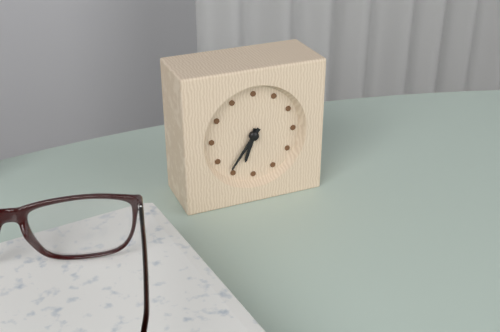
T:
**6:36**
